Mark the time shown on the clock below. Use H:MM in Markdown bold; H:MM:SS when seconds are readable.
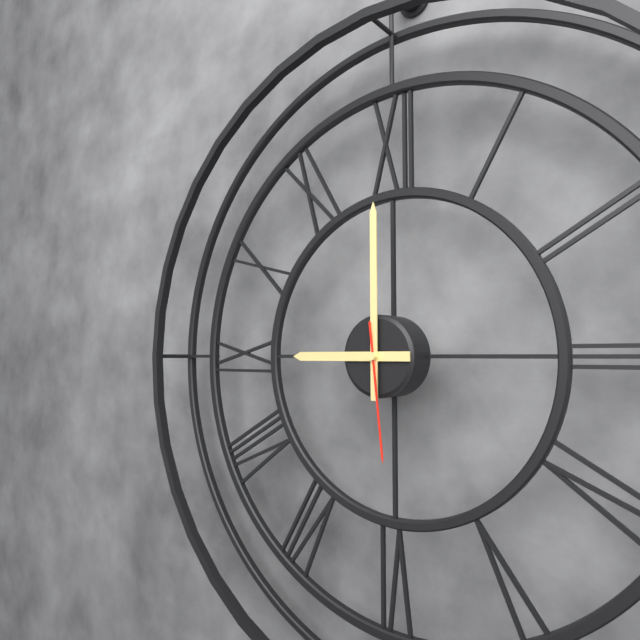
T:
**9:00:29**
